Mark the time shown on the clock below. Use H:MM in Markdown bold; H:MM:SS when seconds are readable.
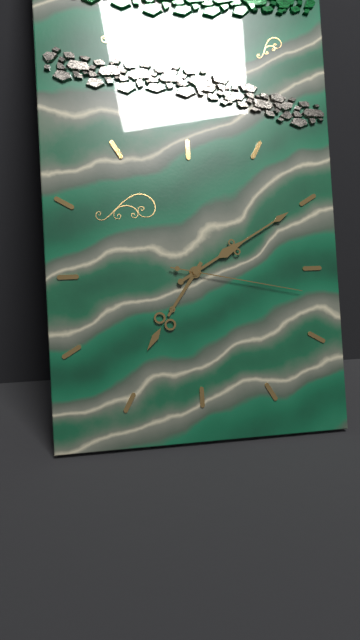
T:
**7:10:17**
